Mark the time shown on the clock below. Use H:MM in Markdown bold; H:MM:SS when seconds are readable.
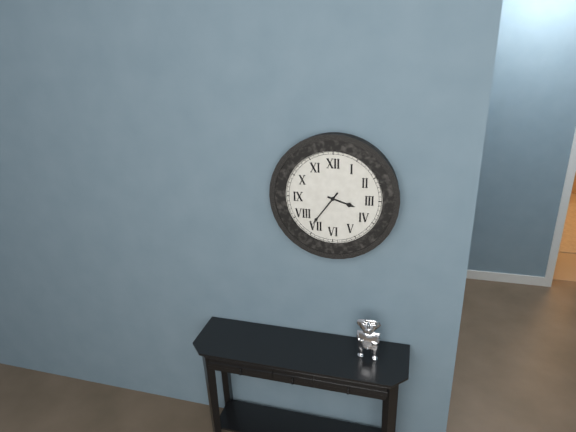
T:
**3:36**
